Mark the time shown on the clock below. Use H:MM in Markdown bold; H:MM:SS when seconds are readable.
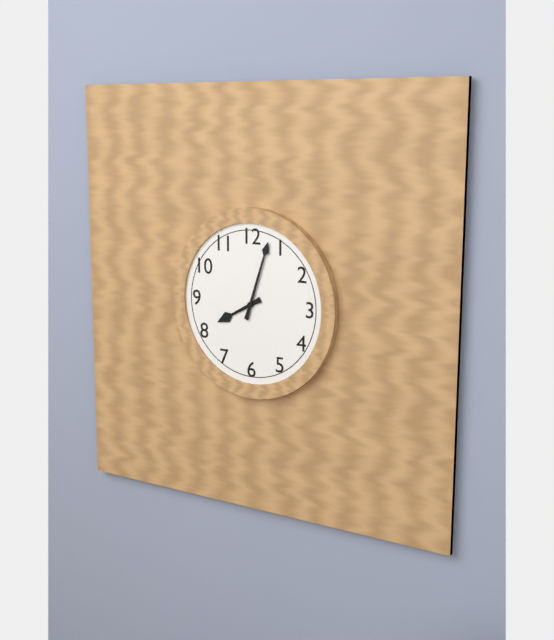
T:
**8:03**
